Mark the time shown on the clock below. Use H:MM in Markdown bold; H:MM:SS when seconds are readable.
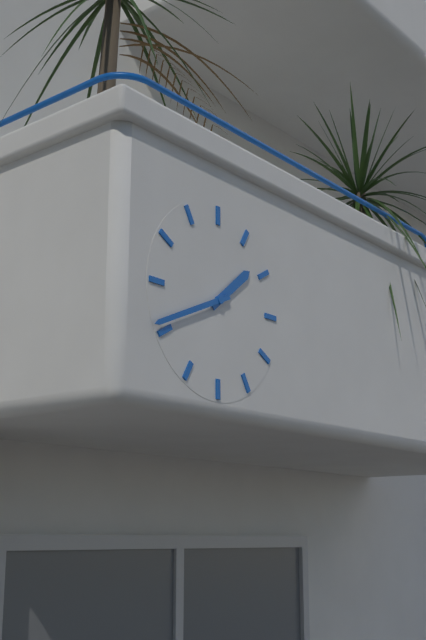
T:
**1:41**
